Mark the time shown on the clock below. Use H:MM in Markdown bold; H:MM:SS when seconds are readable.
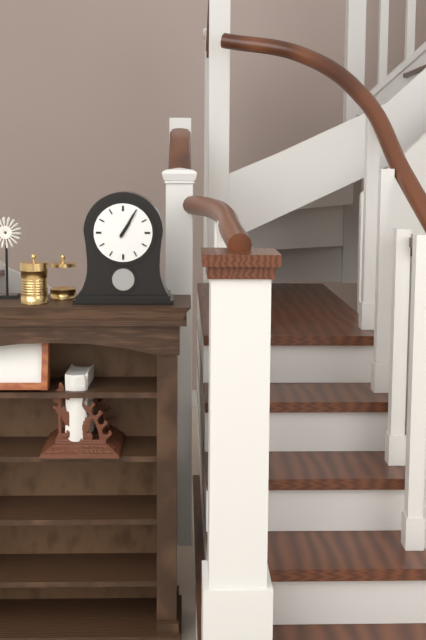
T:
**1:05**
